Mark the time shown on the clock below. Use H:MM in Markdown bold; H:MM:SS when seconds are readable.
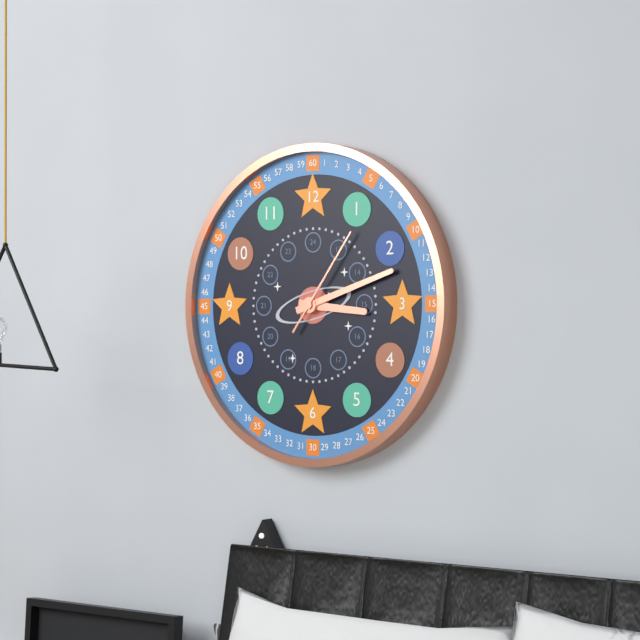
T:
**3:12:06**
